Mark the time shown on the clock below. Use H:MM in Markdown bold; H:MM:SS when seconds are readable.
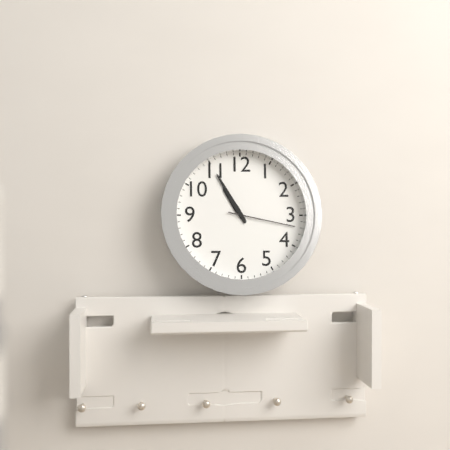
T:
**10:55:17**
